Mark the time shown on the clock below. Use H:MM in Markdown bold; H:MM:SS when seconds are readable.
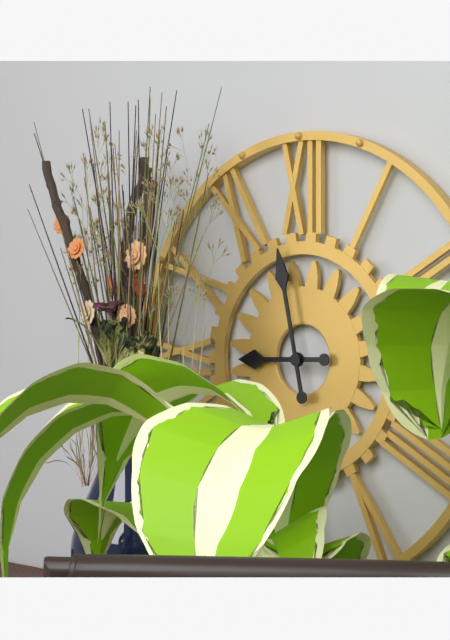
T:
**8:58**
